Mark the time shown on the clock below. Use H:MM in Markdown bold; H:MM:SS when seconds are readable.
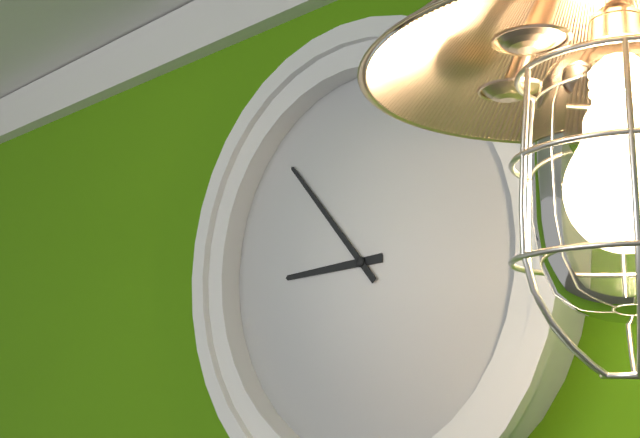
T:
**8:53**
